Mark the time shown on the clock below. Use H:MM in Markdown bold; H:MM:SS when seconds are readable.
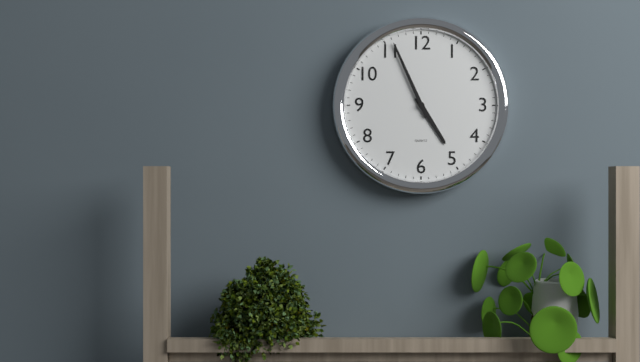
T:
**4:56**
